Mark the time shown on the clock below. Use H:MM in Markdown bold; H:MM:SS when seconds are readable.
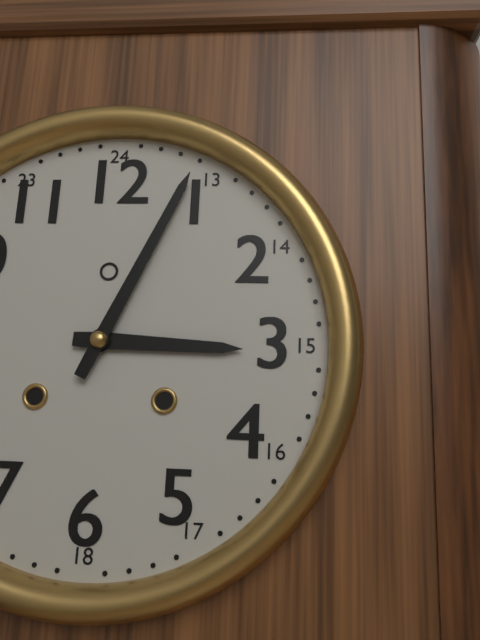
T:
**3:04**
